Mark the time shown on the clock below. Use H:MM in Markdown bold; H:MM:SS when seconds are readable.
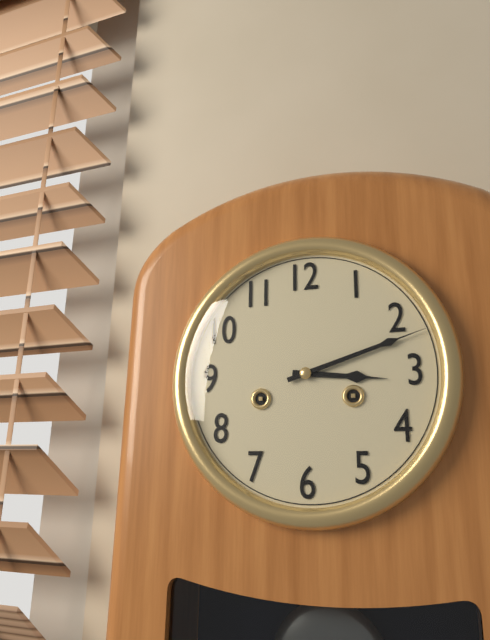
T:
**3:12**
